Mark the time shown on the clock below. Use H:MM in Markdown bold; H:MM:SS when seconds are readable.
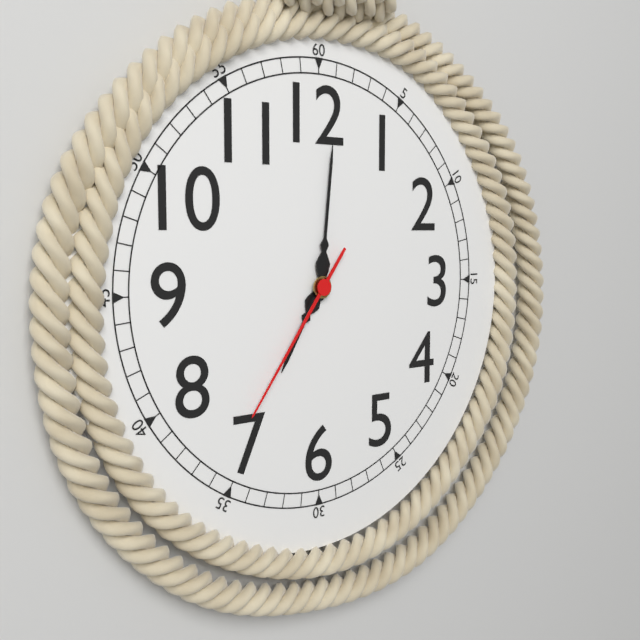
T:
**7:01:36**
